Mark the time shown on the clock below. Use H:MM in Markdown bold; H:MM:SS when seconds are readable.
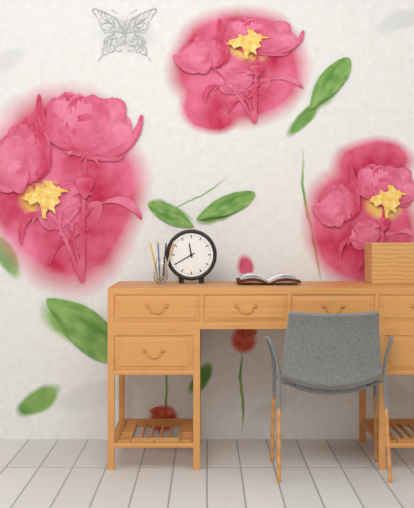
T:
**11:40**
